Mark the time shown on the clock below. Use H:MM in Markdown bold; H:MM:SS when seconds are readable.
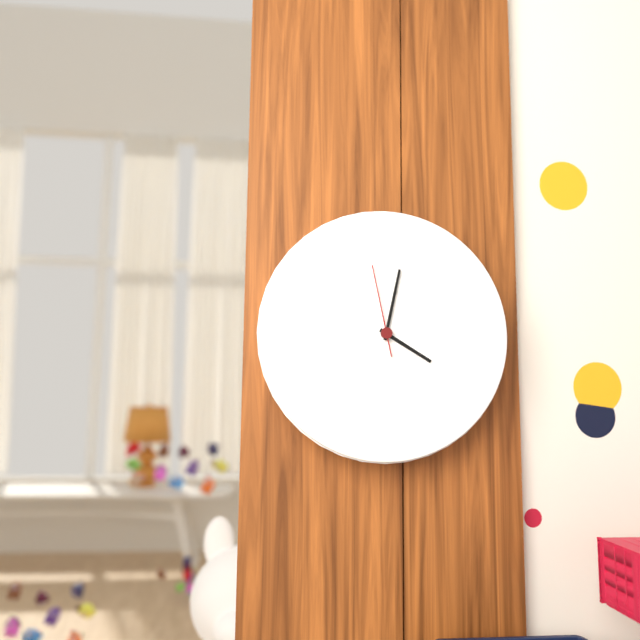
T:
**4:02:58**
